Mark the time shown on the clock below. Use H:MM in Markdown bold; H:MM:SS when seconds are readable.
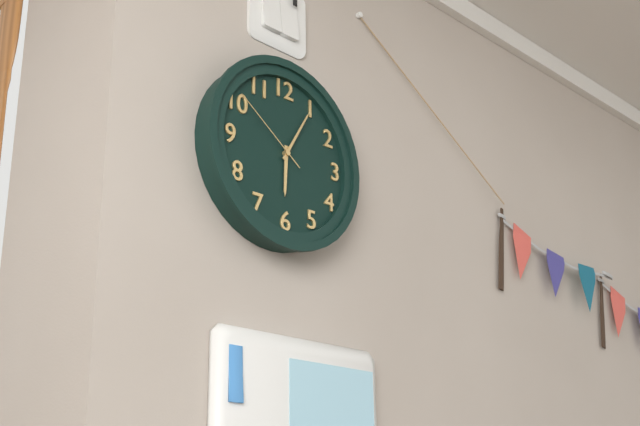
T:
**6:05:51**
